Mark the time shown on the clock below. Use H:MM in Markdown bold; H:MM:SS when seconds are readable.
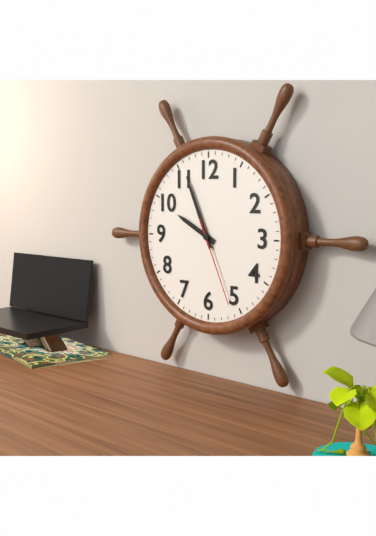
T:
**9:56:26**
